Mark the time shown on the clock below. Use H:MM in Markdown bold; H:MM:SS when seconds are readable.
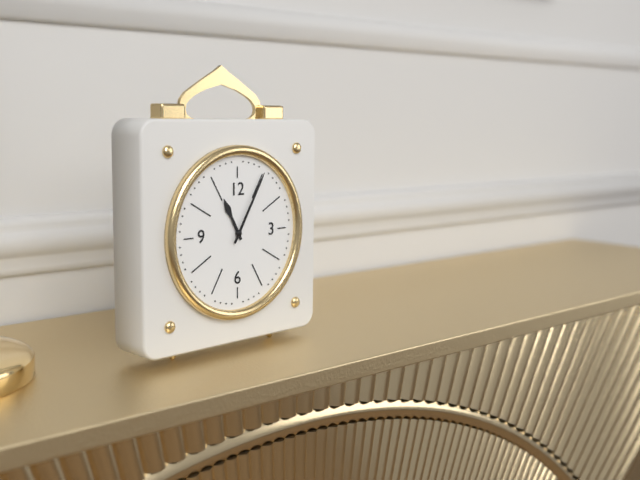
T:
**11:05**
